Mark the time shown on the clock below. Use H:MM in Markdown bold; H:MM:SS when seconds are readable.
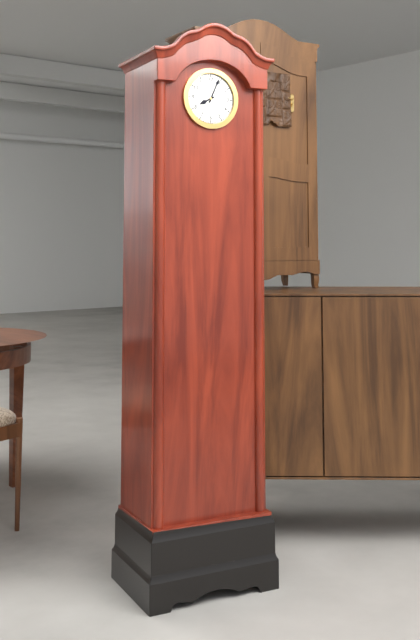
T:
**8:04**
